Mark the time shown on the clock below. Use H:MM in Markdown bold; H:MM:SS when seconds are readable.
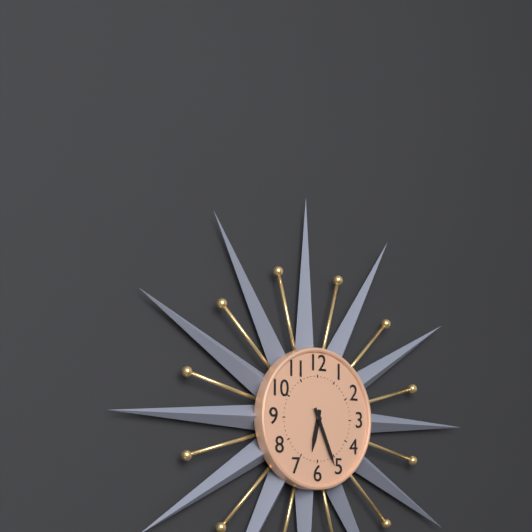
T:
**6:26**
